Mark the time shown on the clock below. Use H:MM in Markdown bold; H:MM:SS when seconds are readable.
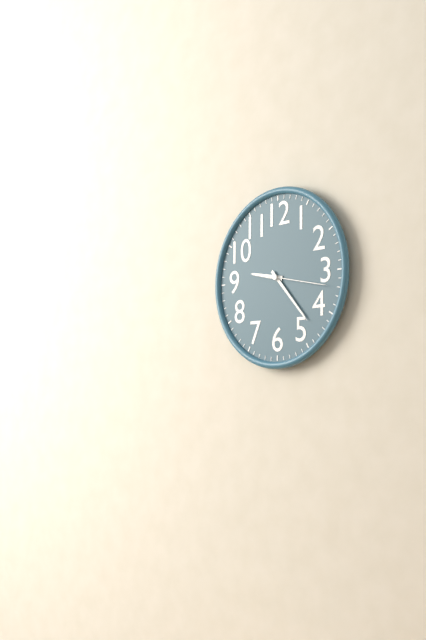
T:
**9:23:17**
